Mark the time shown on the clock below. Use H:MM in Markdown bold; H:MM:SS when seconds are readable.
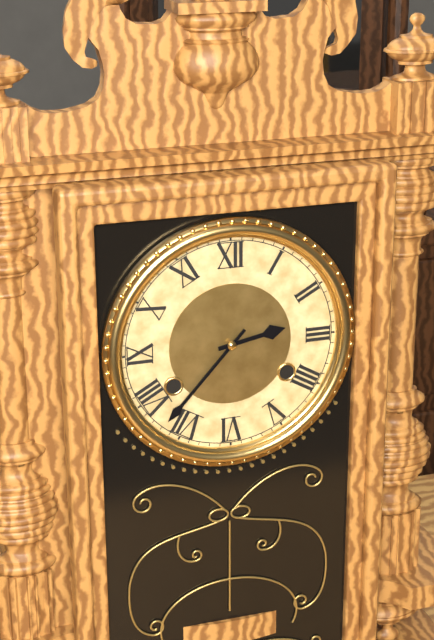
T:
**2:37**
